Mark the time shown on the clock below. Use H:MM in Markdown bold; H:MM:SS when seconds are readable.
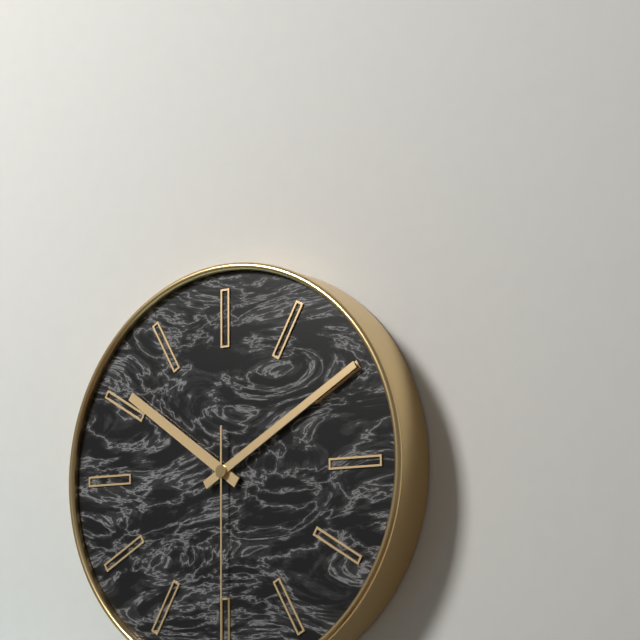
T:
**10:10**
